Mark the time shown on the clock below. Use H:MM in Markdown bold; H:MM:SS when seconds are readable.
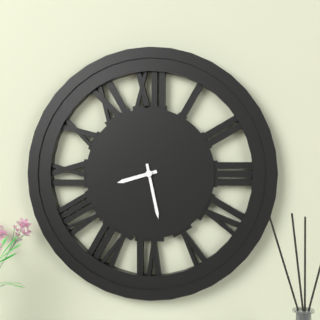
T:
**8:28**
